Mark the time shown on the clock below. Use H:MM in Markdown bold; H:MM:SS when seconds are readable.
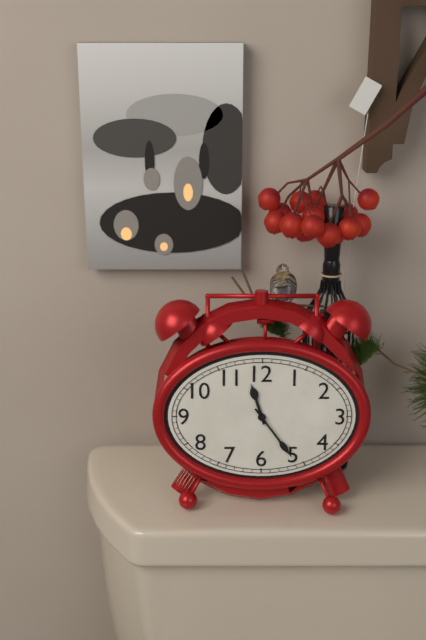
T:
**11:24**
